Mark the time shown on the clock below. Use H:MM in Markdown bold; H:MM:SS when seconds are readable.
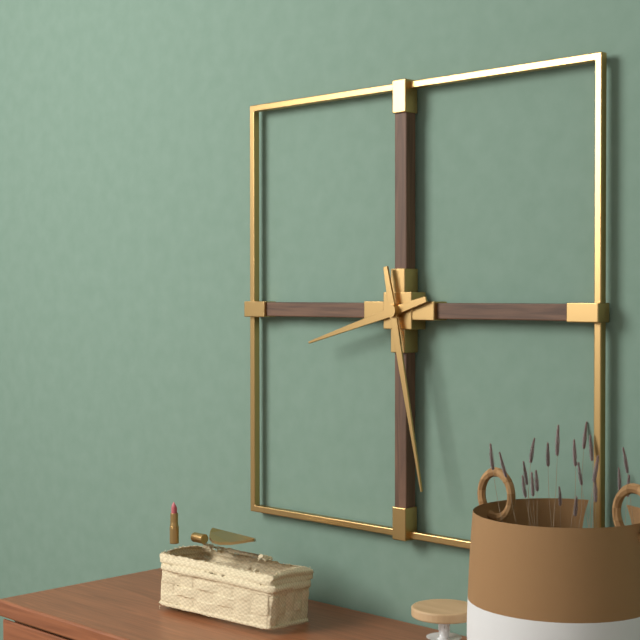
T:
**8:28**
